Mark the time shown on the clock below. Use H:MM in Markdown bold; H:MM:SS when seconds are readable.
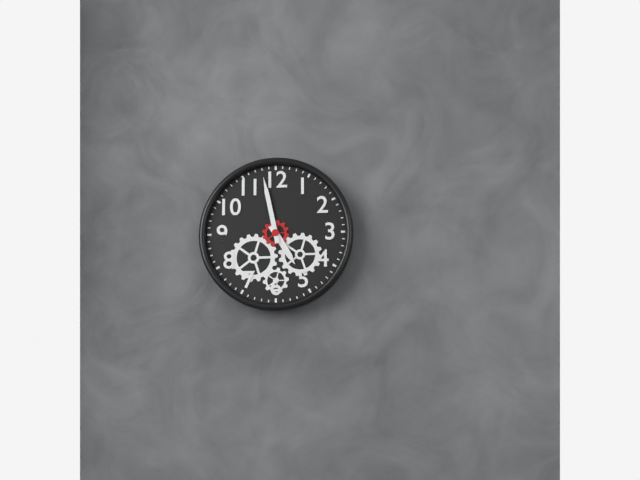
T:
**4:58**
